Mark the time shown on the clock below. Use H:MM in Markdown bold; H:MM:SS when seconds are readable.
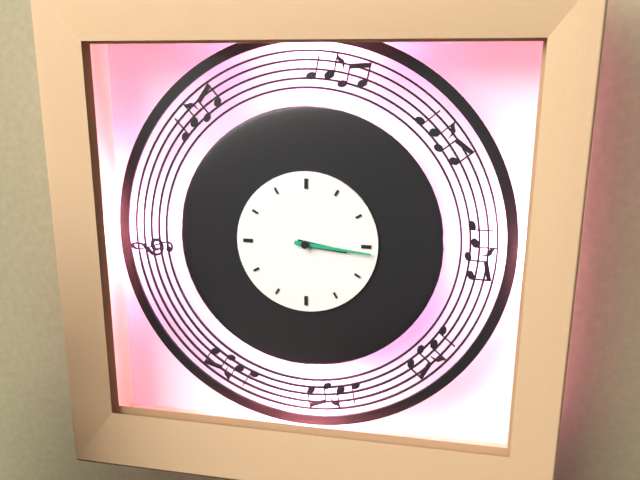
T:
**3:16**
